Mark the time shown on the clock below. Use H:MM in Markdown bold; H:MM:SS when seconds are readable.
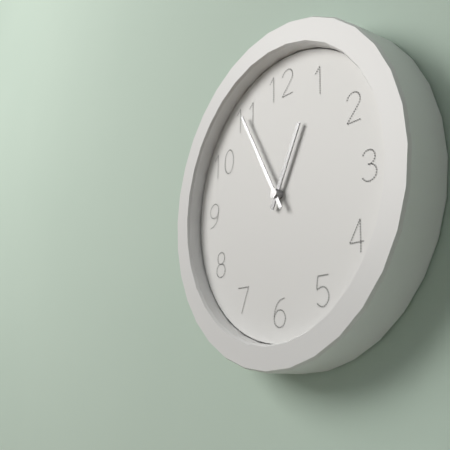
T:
**12:55**
